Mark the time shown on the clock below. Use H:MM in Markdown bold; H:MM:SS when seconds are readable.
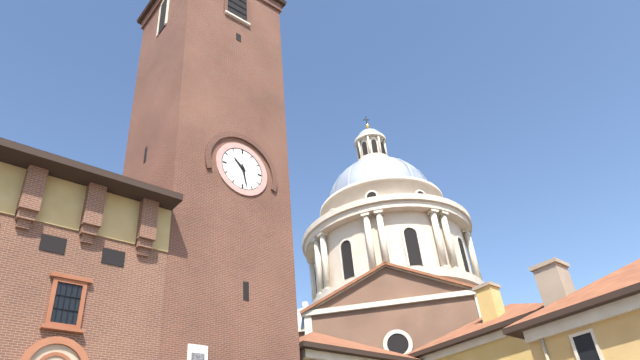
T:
**10:28**
